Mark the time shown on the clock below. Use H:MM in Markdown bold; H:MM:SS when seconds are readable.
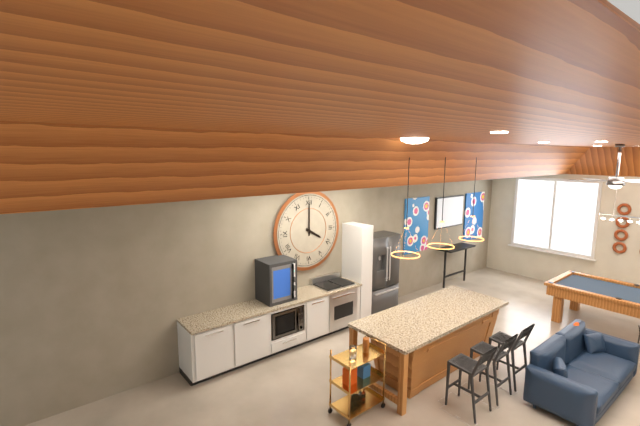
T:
**4:00**
